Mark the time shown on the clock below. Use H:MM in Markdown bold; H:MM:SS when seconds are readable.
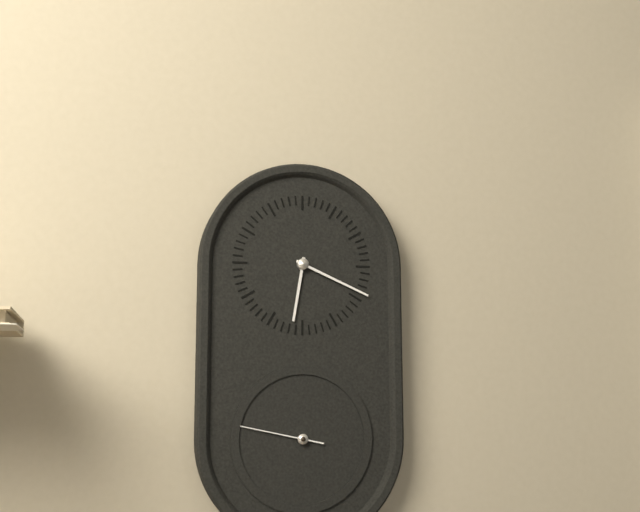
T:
**6:19:47**
